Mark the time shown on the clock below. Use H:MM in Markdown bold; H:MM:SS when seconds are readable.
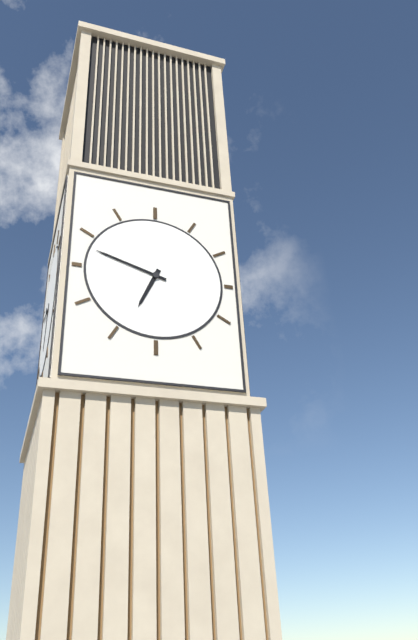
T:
**6:48**
